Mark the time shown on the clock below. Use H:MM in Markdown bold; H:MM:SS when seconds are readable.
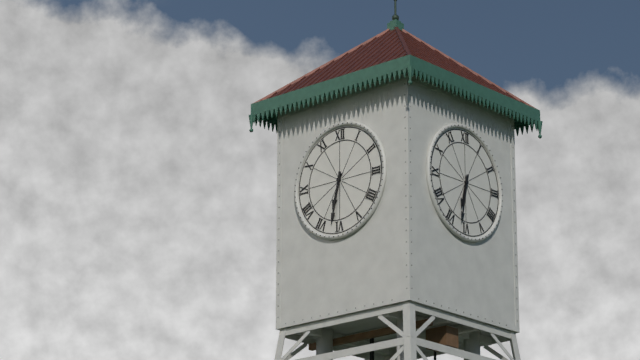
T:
**6:32**
